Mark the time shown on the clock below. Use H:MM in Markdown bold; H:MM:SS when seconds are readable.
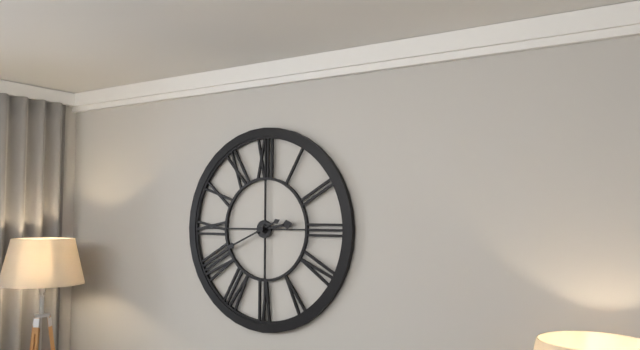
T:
**2:41**
